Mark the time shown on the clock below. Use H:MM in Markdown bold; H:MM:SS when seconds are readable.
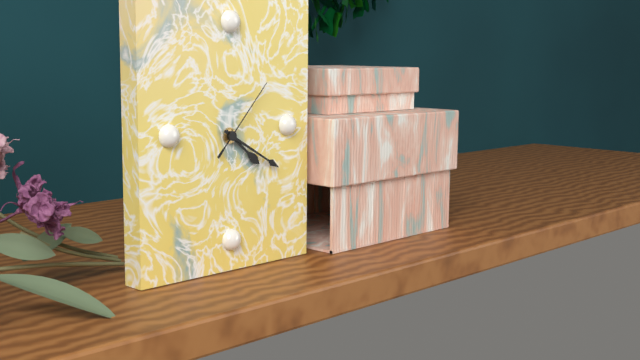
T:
**4:20:07**
